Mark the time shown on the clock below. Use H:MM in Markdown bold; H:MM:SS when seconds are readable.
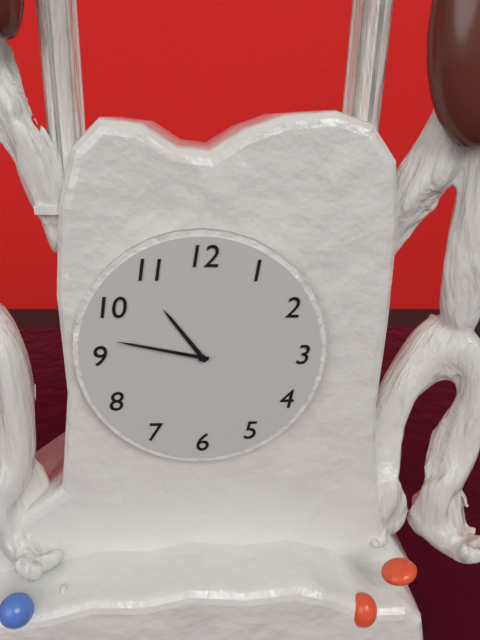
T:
**10:47**
